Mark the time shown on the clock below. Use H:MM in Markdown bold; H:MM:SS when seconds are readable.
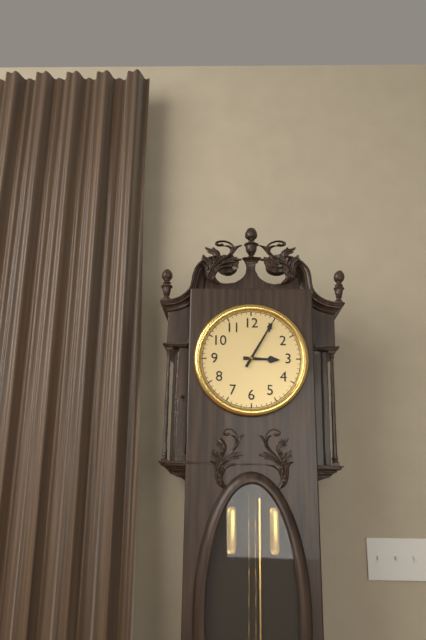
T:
**3:05**
